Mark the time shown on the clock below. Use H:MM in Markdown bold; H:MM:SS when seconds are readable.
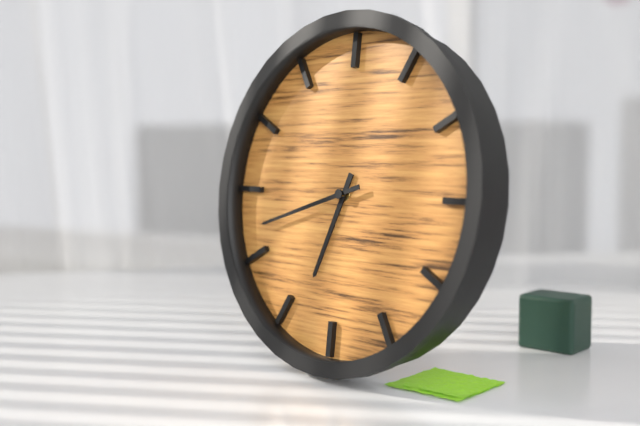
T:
**6:42**
